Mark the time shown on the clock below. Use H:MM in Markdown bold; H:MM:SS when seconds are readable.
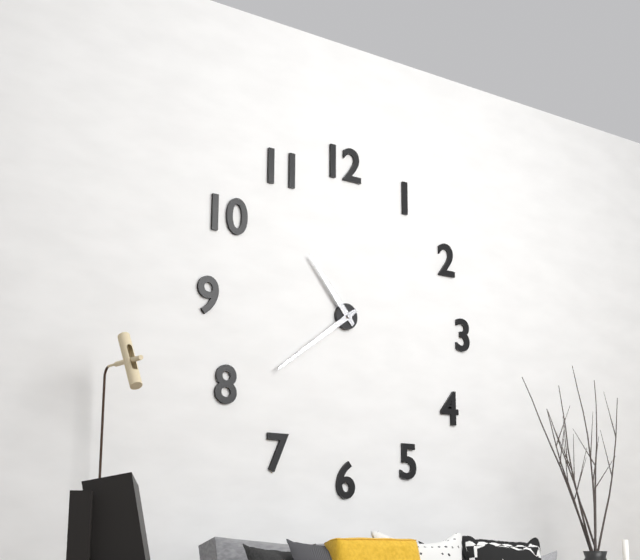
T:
**10:39**
